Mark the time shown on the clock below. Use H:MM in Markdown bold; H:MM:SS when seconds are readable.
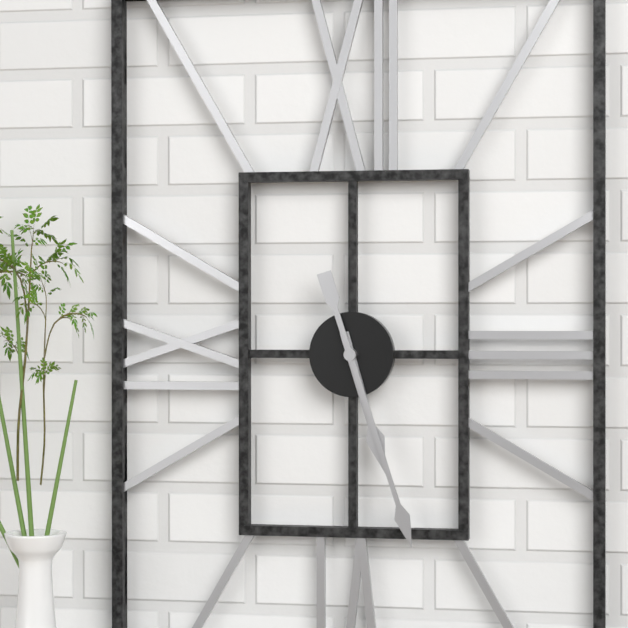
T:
**5:27**
